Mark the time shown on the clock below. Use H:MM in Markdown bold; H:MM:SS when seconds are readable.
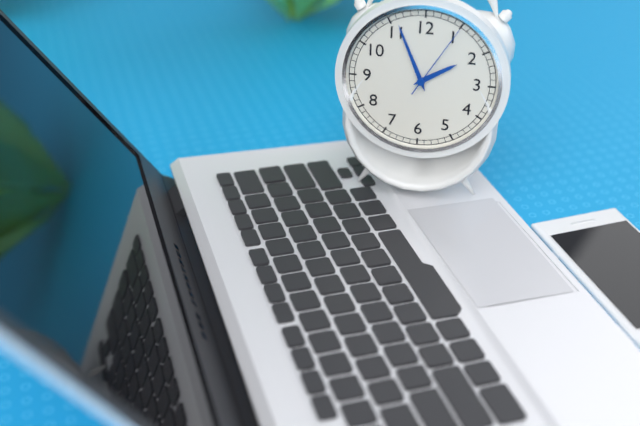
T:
**1:56:05**
